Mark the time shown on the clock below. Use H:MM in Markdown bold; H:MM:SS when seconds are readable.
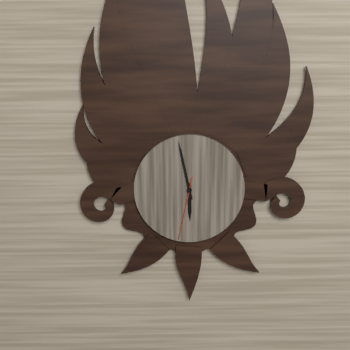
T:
**5:58:32**
